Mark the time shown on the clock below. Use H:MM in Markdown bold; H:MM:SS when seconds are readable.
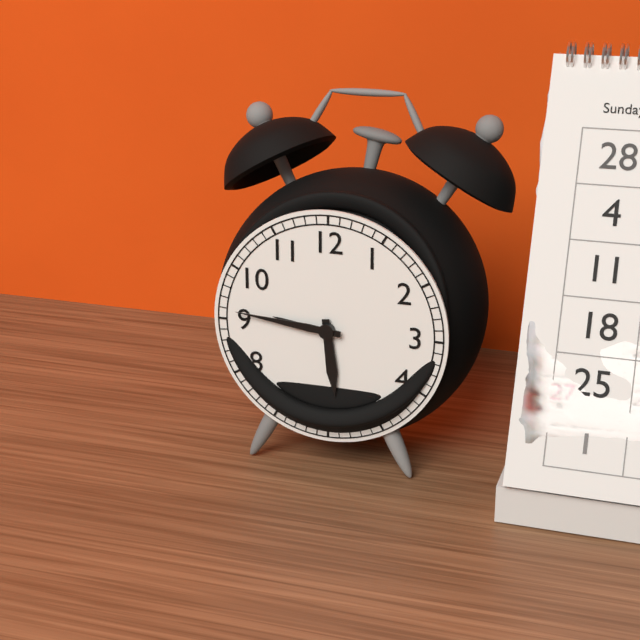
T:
**5:46**
